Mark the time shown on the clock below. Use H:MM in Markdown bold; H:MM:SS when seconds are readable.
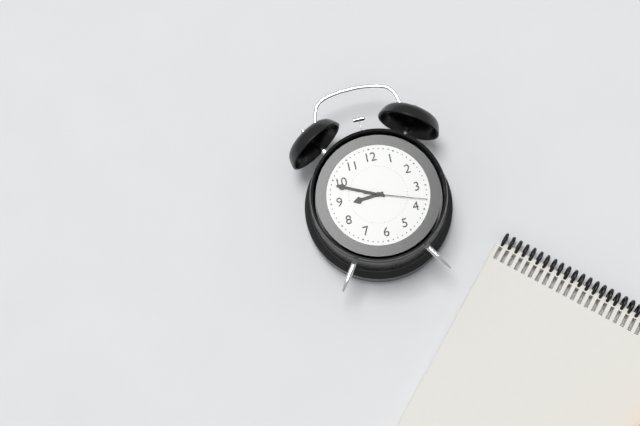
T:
**8:49:18**
